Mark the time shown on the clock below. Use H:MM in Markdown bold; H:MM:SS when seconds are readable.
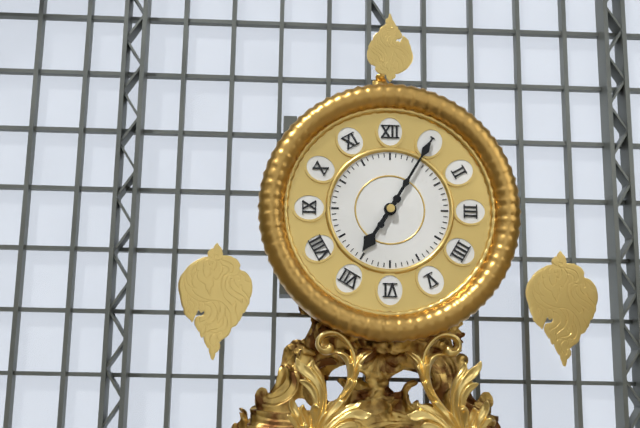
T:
**7:05**
